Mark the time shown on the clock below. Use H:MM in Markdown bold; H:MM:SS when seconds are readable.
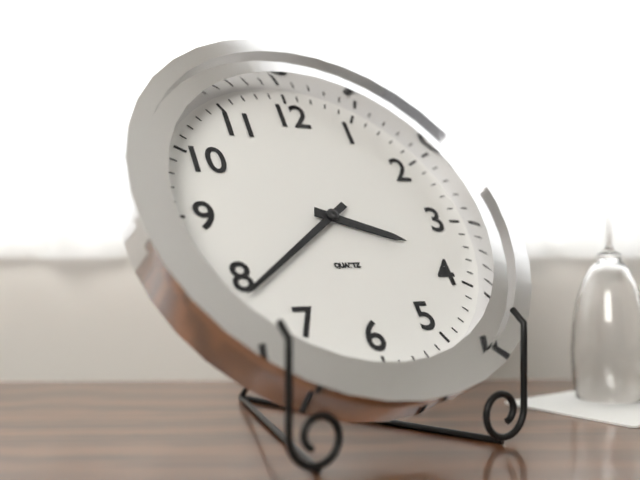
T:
**3:39**
